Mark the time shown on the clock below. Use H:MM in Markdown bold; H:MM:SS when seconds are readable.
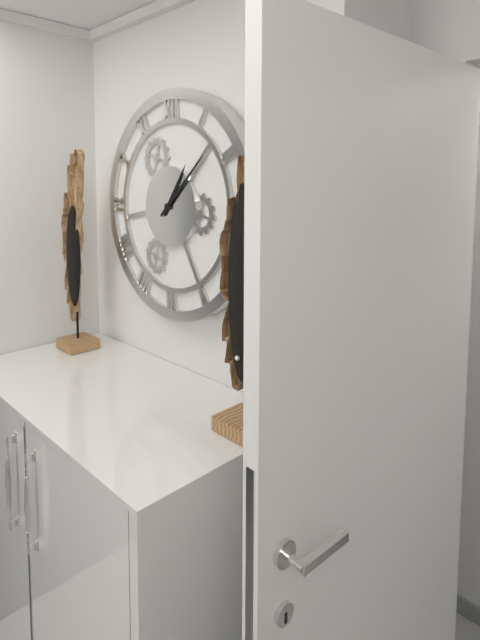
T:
**1:08**
